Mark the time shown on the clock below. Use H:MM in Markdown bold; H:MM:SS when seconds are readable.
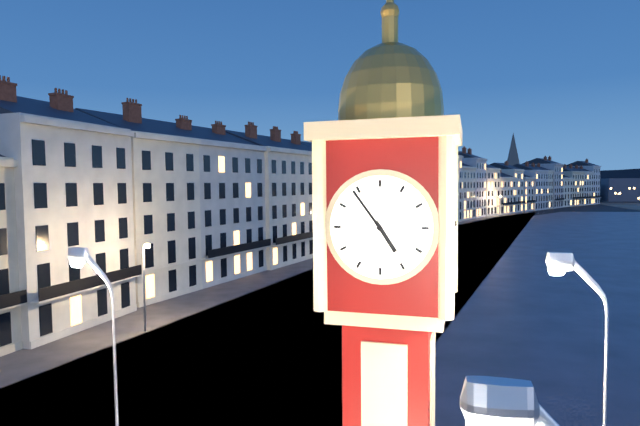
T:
**4:54**
